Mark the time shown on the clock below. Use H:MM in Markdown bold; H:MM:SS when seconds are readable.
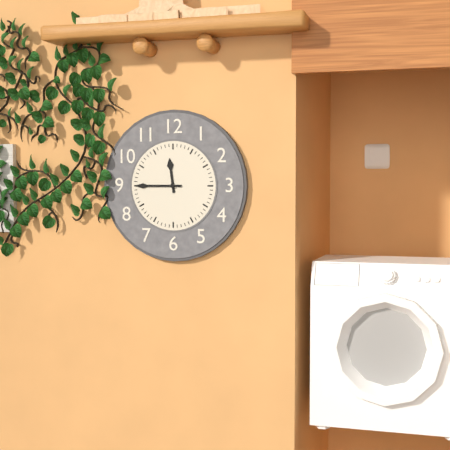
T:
**11:45**
